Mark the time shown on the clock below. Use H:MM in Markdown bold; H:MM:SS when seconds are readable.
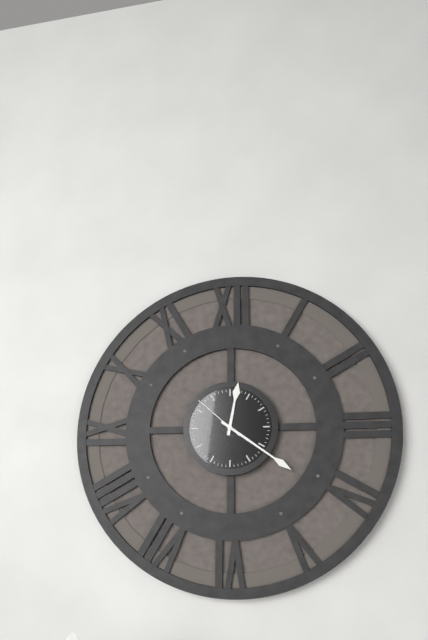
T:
**12:21:52**
